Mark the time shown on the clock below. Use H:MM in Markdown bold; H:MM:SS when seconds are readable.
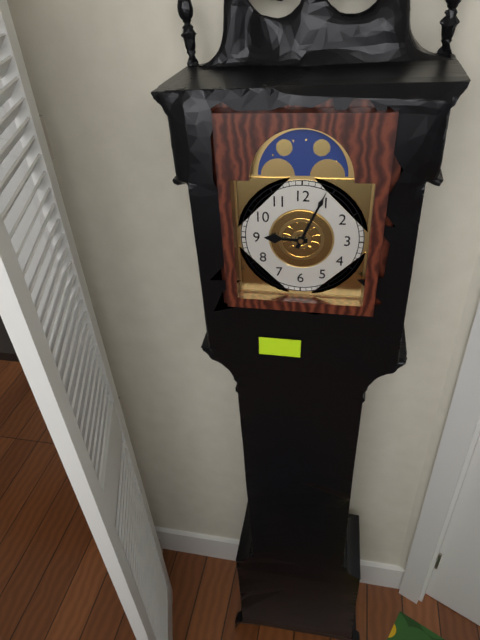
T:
**9:04**
